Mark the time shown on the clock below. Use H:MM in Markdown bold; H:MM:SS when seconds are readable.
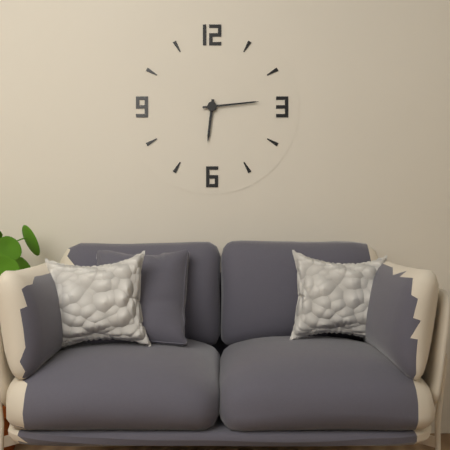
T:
**6:14**
